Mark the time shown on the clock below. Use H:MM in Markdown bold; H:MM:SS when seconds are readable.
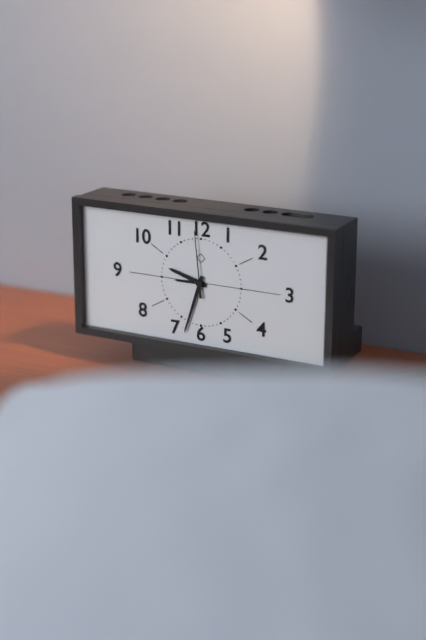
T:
**9:33:59**
